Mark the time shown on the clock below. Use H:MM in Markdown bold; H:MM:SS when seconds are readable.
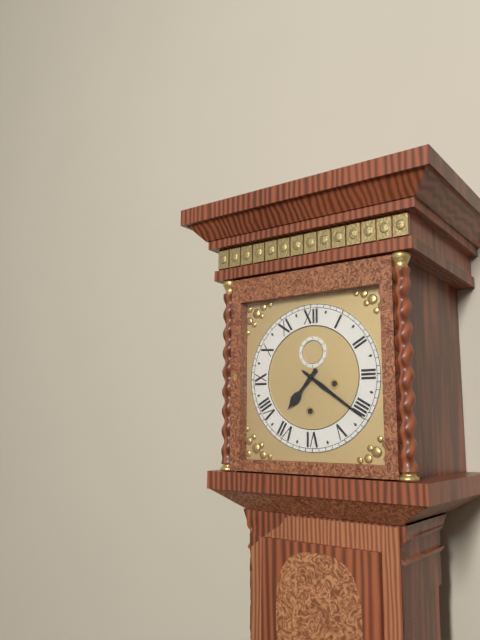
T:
**7:21**
